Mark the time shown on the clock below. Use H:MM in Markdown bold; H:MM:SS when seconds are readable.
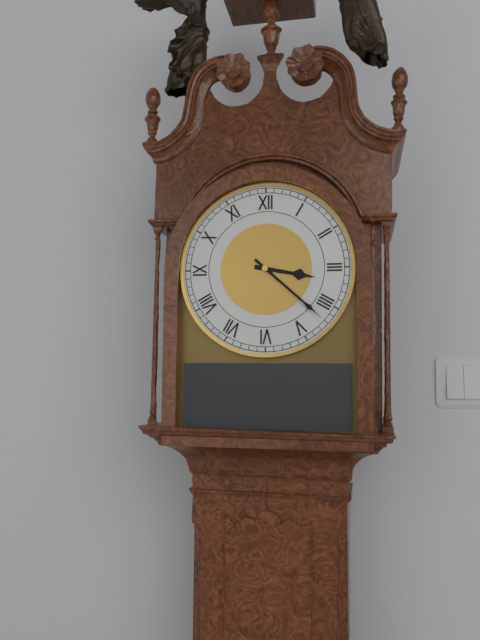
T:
**3:22**
